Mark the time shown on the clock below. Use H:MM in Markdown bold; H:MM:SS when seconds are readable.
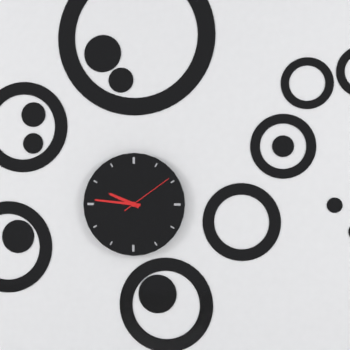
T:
**9:46:09**
